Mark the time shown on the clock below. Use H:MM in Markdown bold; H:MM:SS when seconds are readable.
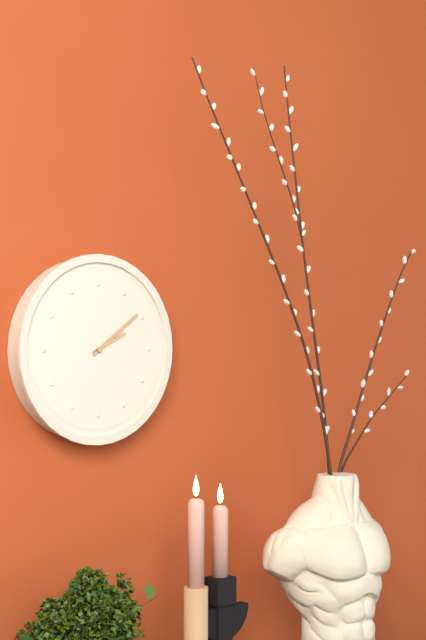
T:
**2:09**
